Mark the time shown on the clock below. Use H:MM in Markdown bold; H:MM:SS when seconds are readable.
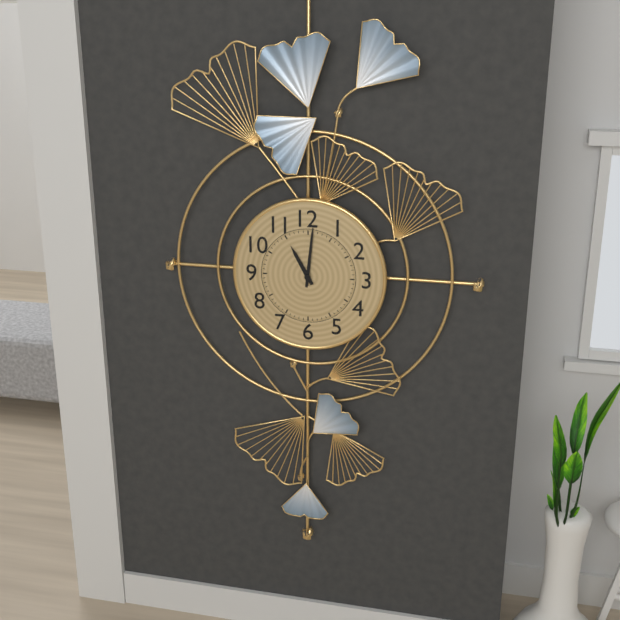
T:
**11:01**
